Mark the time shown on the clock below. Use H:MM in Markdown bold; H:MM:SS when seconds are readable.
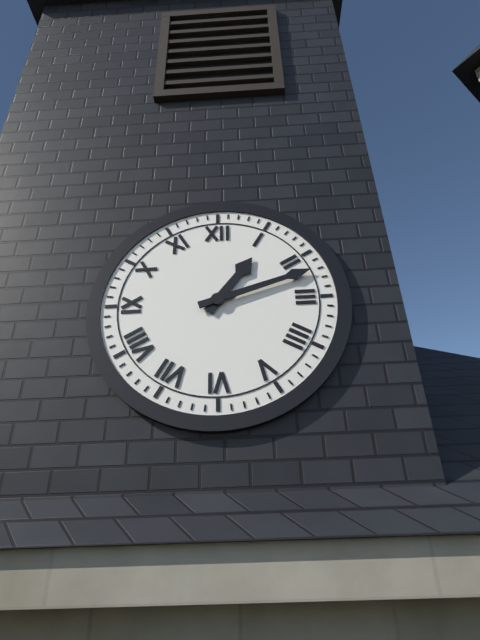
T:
**1:12**
